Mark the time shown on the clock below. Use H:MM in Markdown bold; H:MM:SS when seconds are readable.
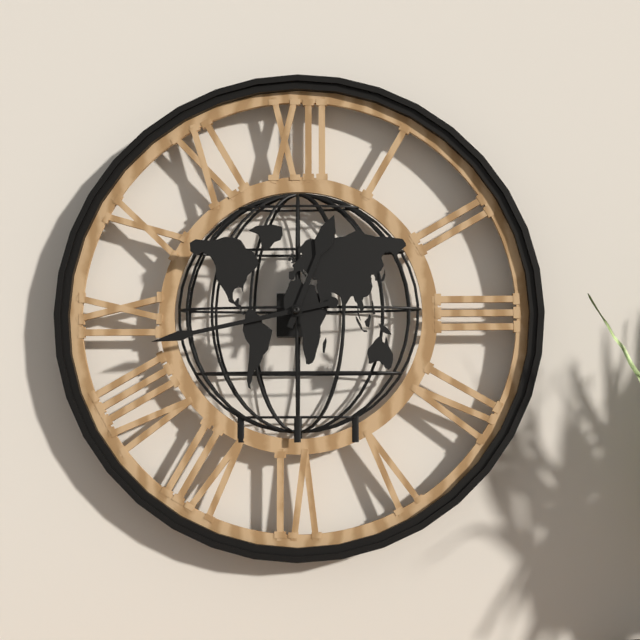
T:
**12:43**
